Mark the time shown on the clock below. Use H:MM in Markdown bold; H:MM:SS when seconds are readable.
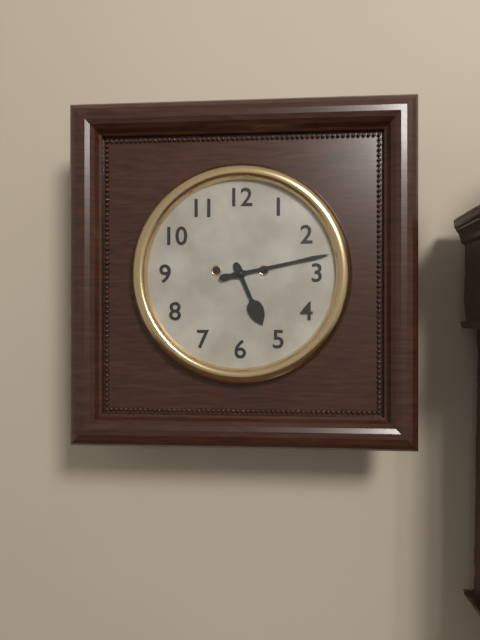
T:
**5:13**
